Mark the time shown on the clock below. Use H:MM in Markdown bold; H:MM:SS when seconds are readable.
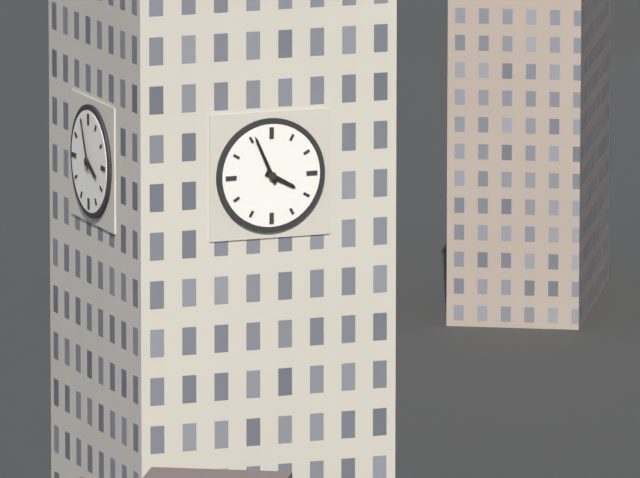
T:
**3:56**
